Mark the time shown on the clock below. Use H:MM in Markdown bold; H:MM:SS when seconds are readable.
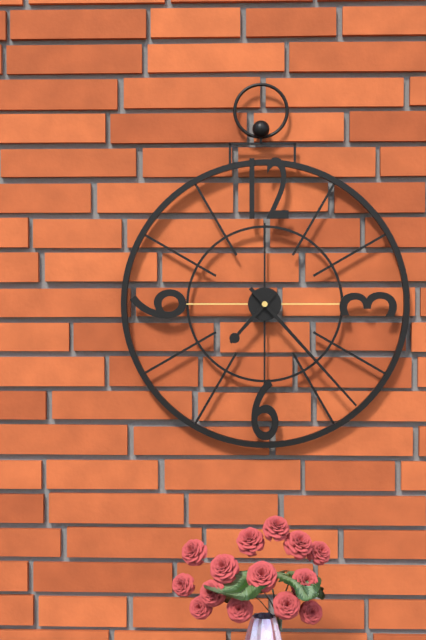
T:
**7:23**
